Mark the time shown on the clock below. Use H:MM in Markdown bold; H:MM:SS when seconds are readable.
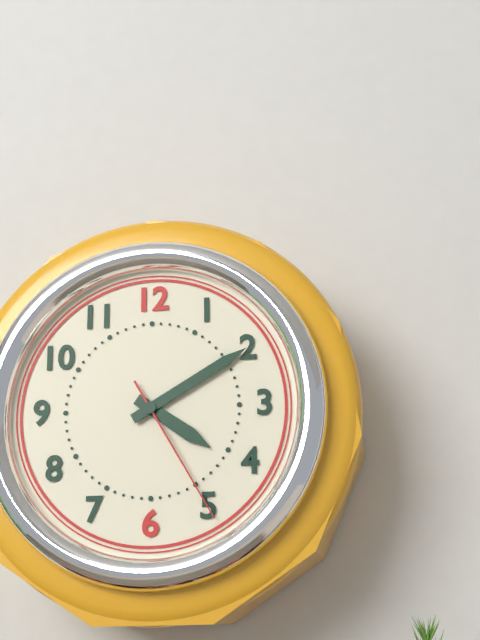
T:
**4:10:25**
